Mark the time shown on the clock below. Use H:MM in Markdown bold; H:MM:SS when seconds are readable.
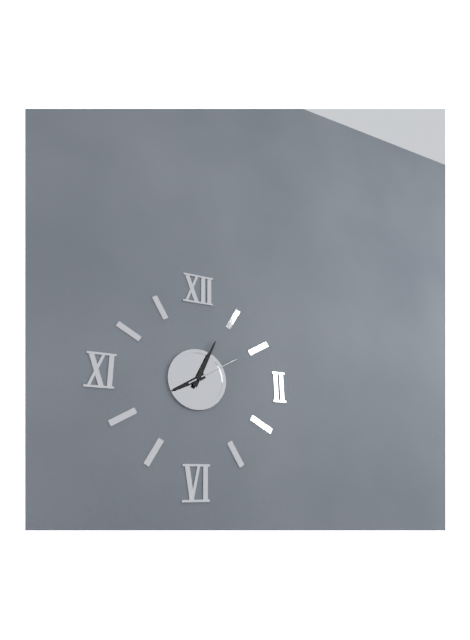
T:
**8:04:10**
